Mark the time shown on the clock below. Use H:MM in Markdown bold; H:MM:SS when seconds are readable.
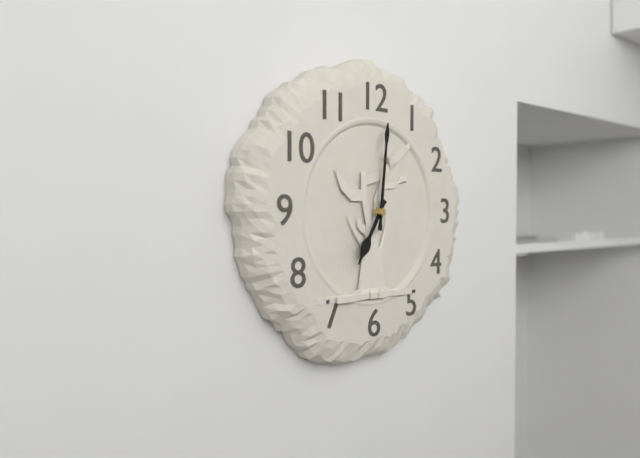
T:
**7:01**
